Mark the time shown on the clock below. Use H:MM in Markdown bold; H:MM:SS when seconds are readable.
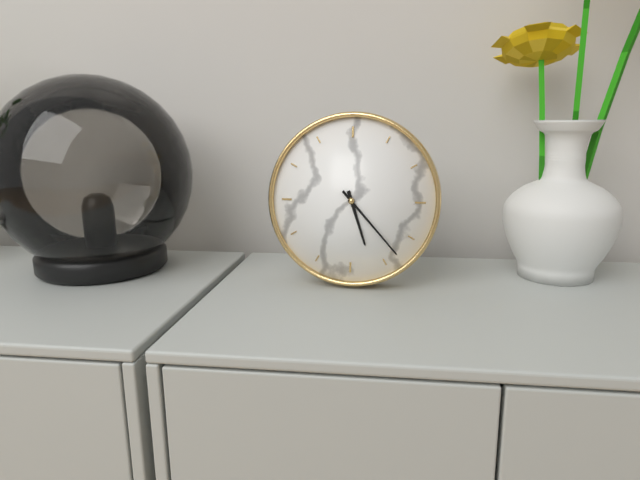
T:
**5:23**
